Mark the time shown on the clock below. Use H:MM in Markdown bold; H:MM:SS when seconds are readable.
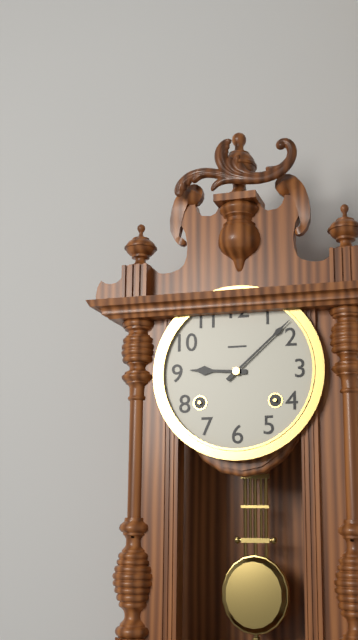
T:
**9:08**
